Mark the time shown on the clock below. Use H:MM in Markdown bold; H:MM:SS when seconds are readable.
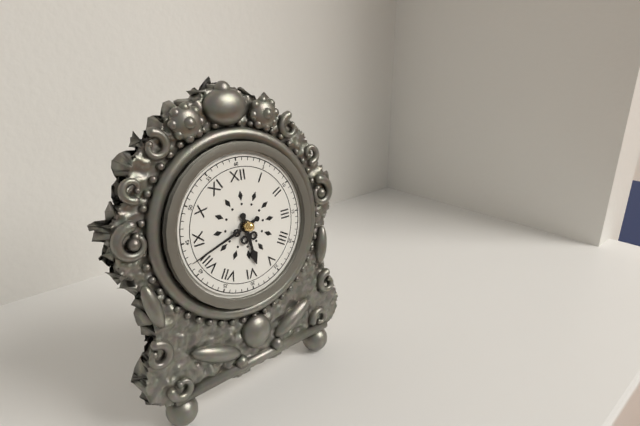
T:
**5:42**
